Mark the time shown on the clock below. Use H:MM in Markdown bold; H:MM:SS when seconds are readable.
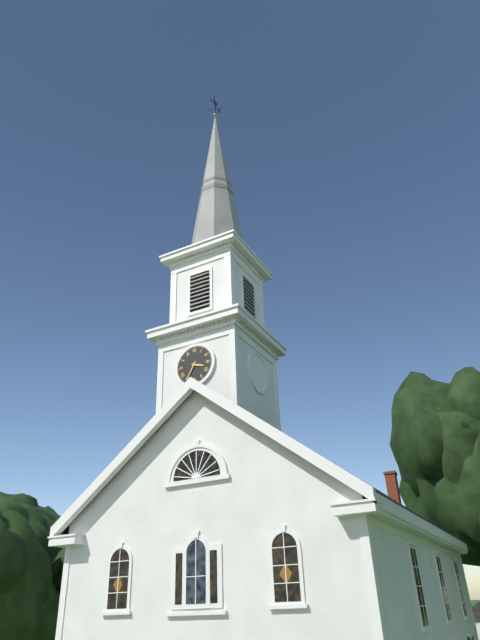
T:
**3:35**
